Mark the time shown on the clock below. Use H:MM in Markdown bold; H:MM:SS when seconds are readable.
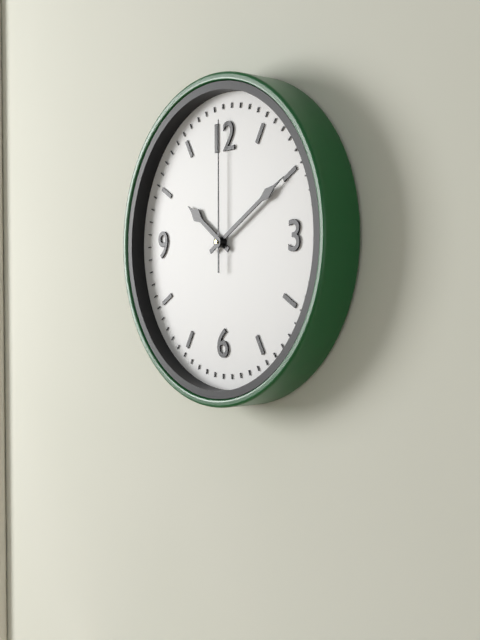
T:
**10:10:00**
